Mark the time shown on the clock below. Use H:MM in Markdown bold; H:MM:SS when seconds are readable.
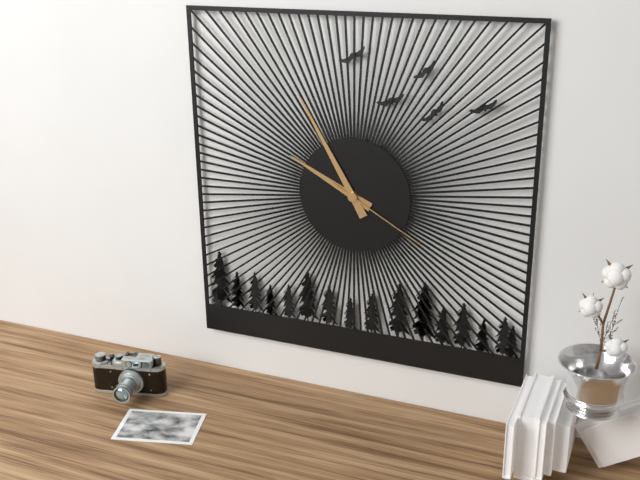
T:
**9:55:20**
